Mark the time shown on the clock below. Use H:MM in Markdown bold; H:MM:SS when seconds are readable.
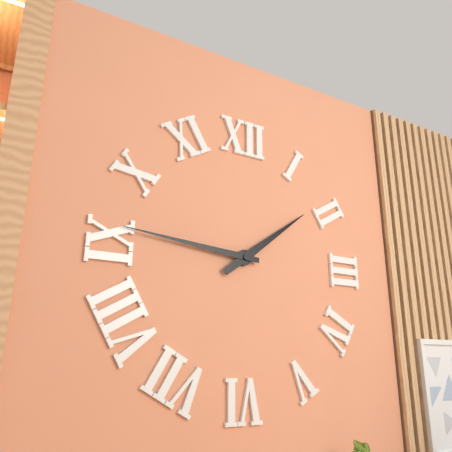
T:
**1:46**
